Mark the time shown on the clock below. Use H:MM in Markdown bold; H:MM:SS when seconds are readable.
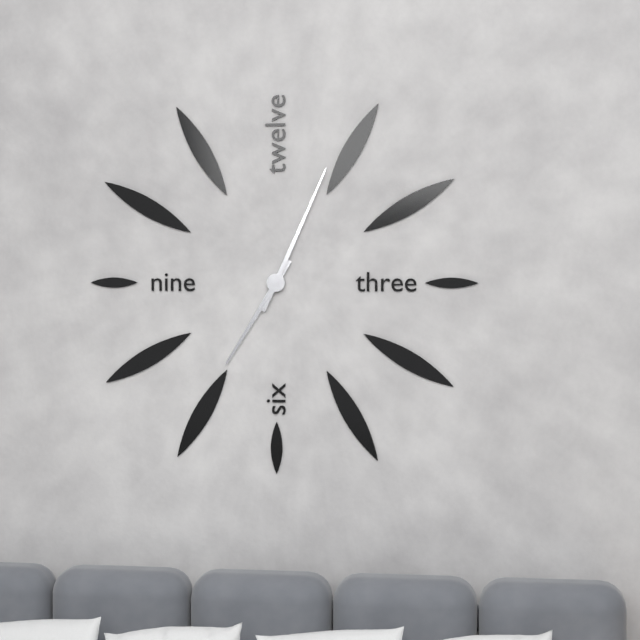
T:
**7:04**
